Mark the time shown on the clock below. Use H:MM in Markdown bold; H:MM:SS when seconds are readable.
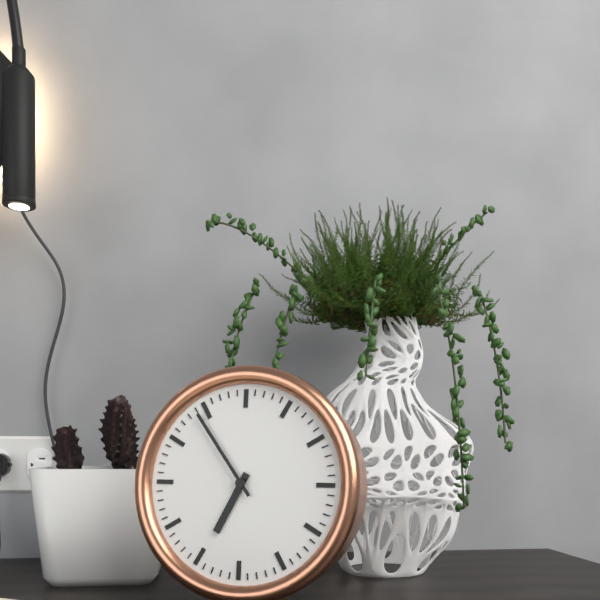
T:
**6:54**
